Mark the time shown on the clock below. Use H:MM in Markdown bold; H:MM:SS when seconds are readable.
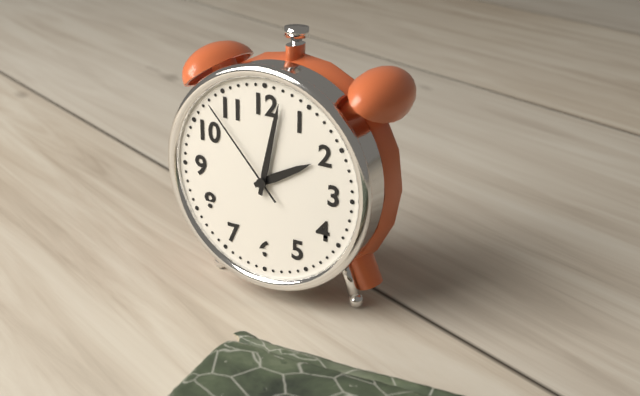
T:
**2:02:53**
